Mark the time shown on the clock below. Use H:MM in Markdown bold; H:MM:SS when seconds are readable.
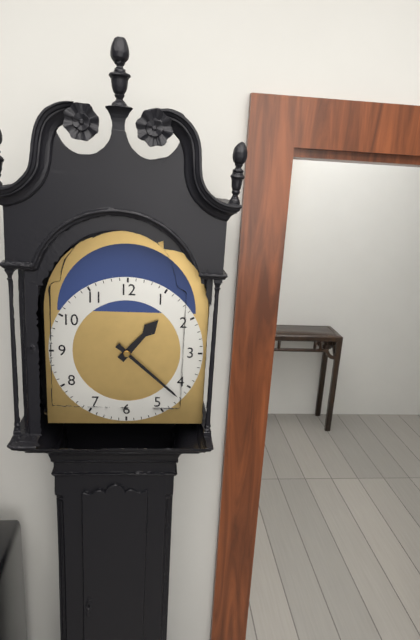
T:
**1:22**
